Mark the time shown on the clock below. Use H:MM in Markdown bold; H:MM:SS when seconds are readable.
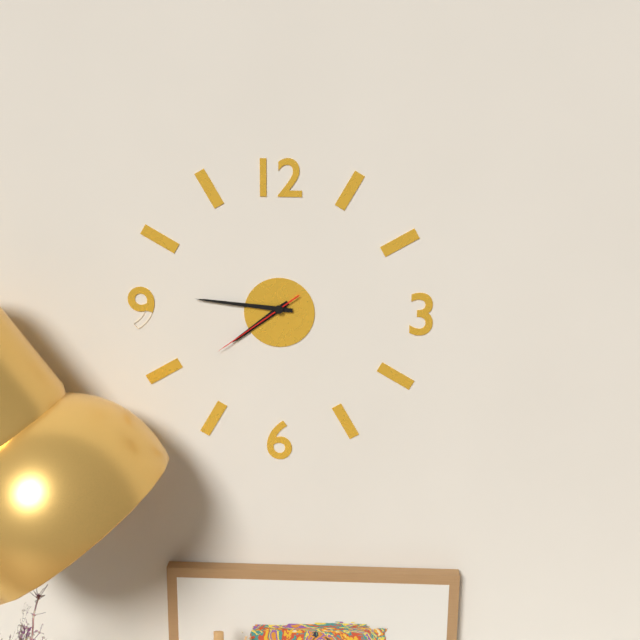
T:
**7:46:39**
